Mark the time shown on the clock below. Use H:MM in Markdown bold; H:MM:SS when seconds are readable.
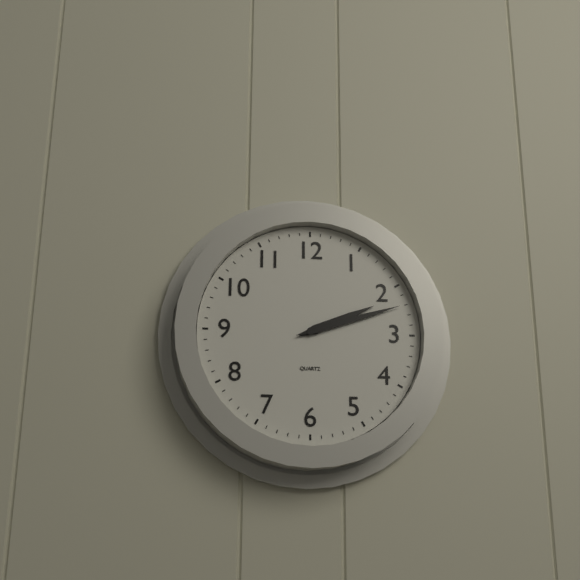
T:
**2:12**
